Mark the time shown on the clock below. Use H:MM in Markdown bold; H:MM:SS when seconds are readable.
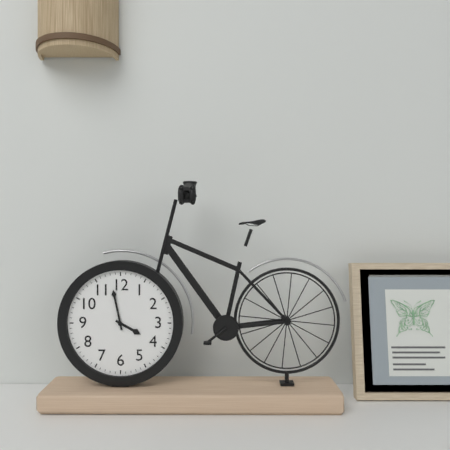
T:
**3:58**
